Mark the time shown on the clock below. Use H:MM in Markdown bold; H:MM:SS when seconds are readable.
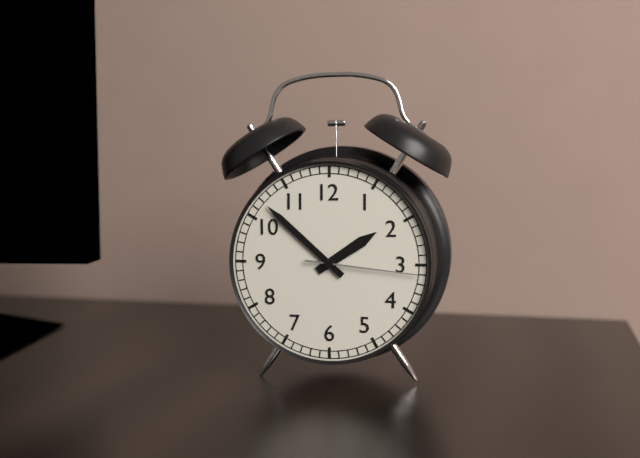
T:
**1:52:16**
